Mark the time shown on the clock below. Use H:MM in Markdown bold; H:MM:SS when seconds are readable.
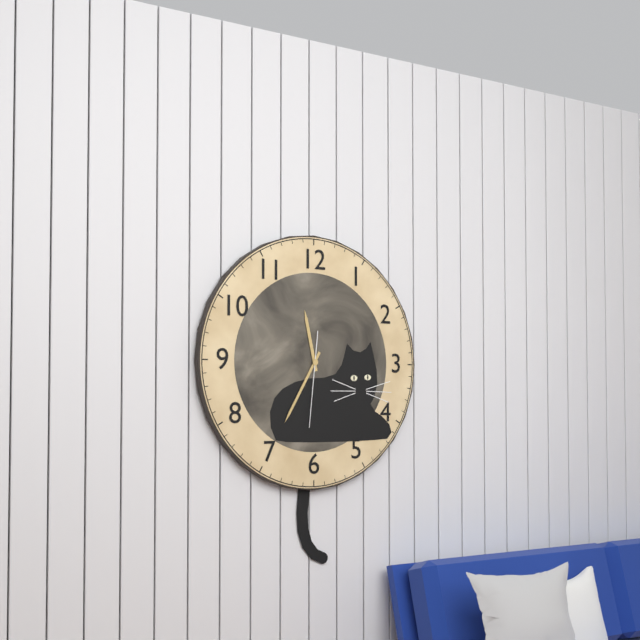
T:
**11:35:31**
